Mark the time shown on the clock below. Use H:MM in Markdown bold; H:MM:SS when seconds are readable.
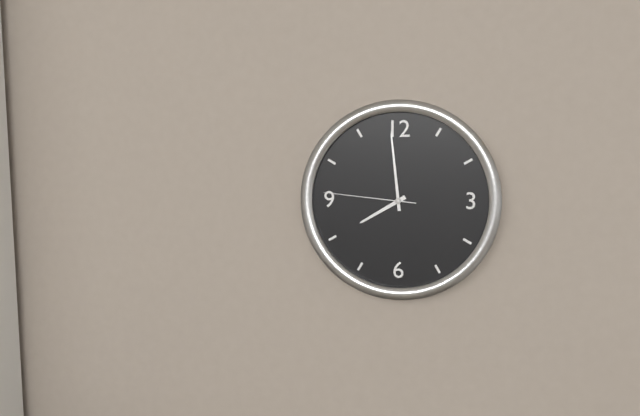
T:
**7:59:46**
